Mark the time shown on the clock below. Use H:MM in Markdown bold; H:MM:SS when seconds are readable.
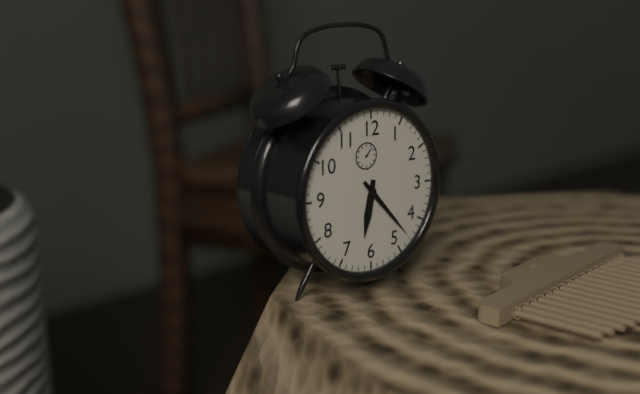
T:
**6:23**
